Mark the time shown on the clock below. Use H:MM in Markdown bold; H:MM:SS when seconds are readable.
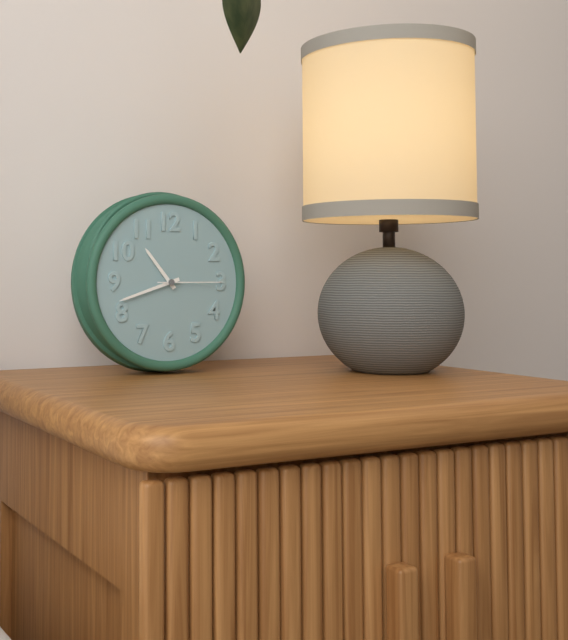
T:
**10:42:15**
